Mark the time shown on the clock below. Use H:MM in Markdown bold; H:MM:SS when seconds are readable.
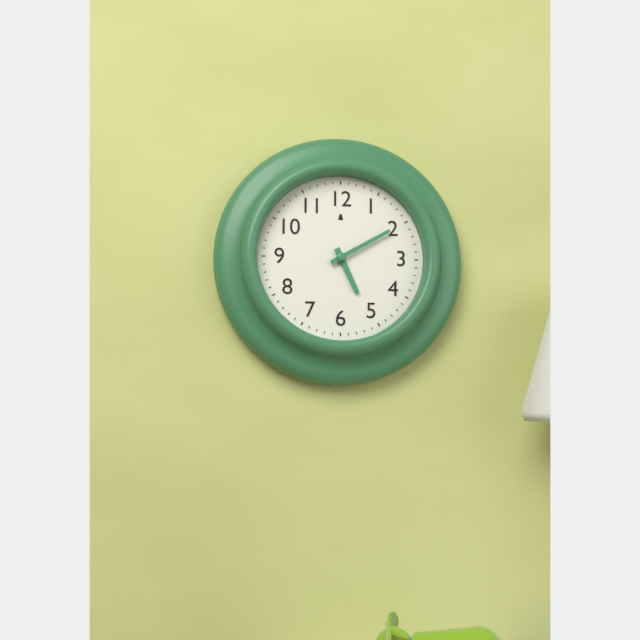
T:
**5:10**
